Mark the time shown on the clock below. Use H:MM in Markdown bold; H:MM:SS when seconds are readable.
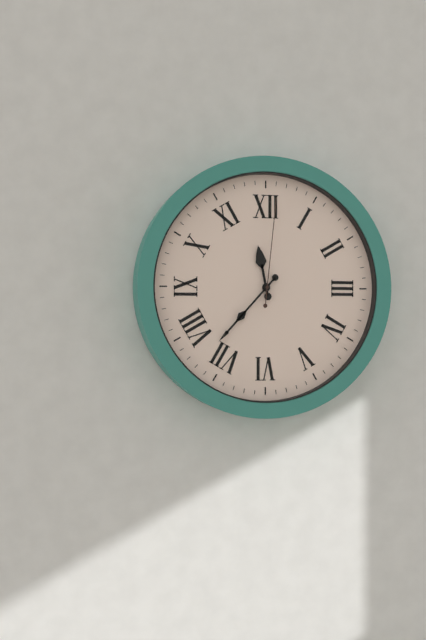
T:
**11:37:01**
